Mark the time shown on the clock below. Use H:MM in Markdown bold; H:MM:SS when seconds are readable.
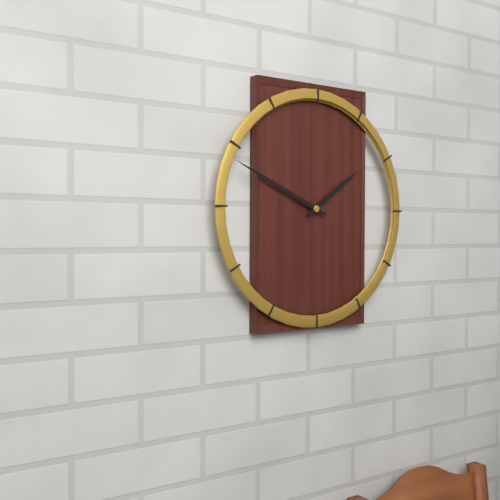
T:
**1:49**
